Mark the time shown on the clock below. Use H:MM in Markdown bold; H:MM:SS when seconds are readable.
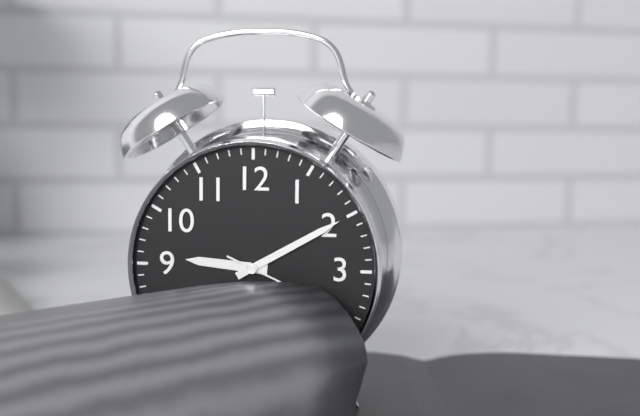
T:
**9:10**
